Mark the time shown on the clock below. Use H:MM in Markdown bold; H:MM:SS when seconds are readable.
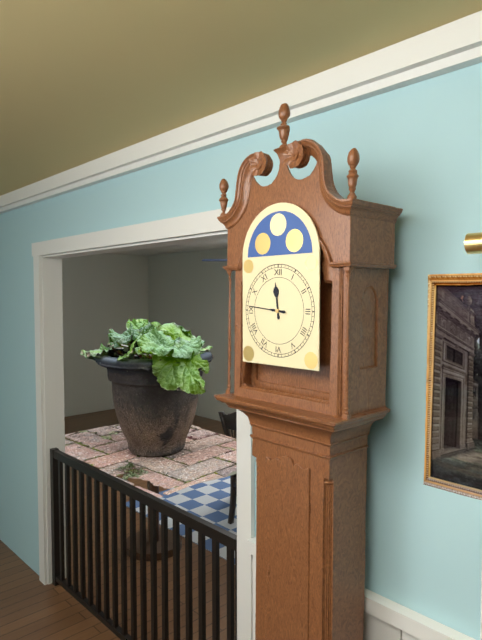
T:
**11:46**
